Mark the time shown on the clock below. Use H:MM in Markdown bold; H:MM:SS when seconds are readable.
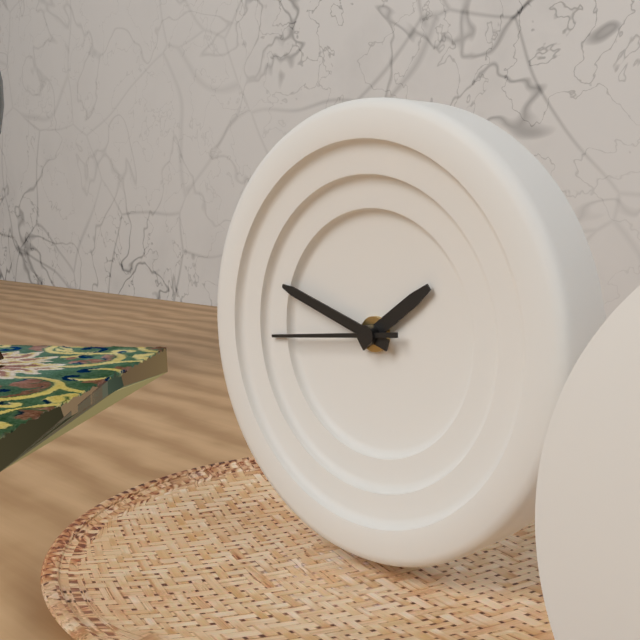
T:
**1:48:44**
